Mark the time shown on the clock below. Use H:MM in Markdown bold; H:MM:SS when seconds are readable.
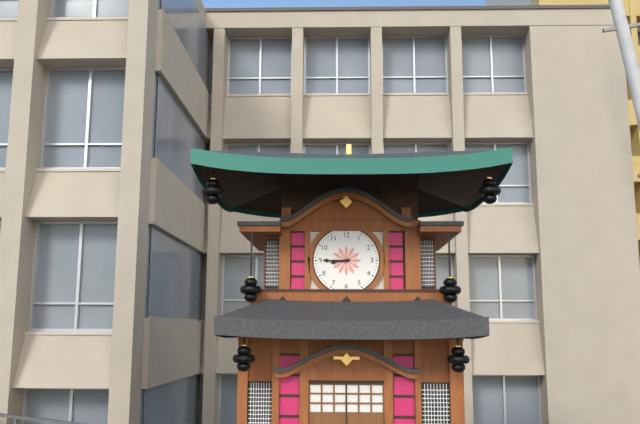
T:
**8:45**
